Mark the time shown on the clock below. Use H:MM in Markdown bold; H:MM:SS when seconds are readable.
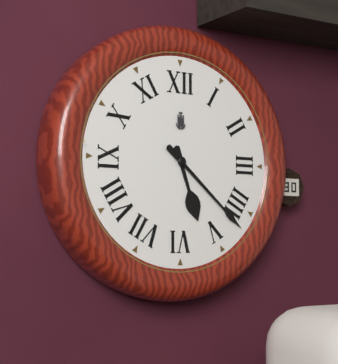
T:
**5:22**
